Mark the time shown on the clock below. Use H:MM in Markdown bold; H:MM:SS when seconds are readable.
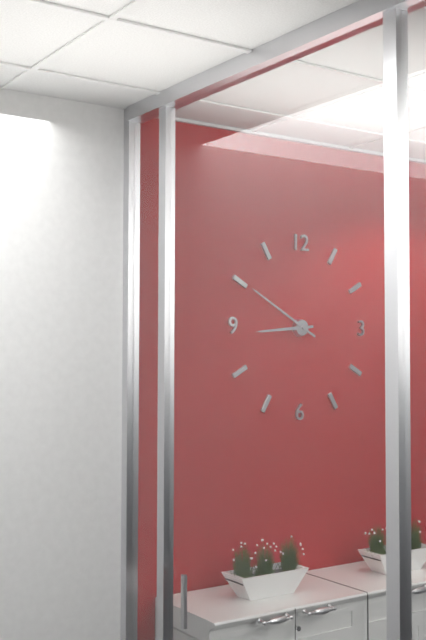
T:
**8:50**
